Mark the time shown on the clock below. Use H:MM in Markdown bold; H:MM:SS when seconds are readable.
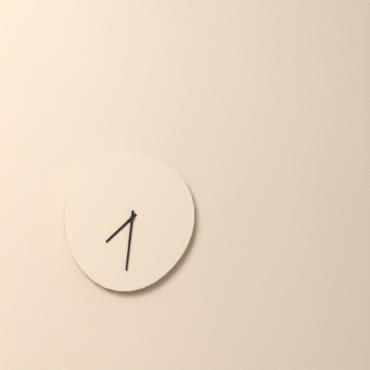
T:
**7:31**
